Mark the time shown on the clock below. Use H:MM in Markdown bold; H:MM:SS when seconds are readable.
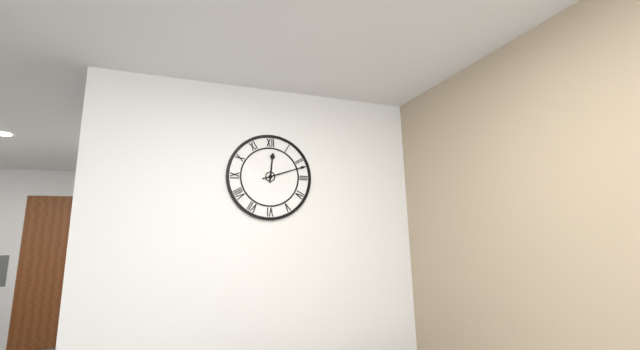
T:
**12:12**
